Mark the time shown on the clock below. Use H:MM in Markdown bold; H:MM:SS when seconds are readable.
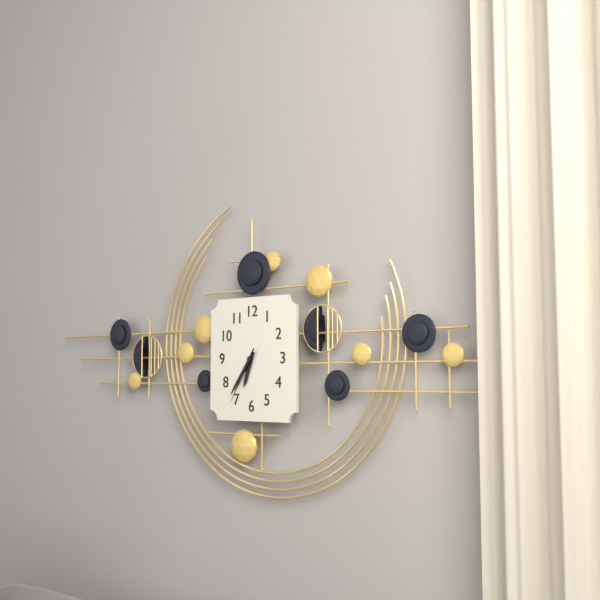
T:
**6:36:35**
